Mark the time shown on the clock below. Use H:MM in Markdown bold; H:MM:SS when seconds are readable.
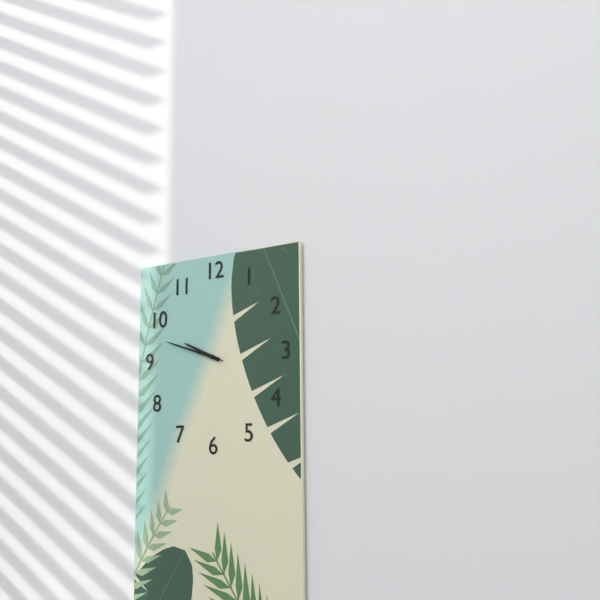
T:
**9:48:48**
